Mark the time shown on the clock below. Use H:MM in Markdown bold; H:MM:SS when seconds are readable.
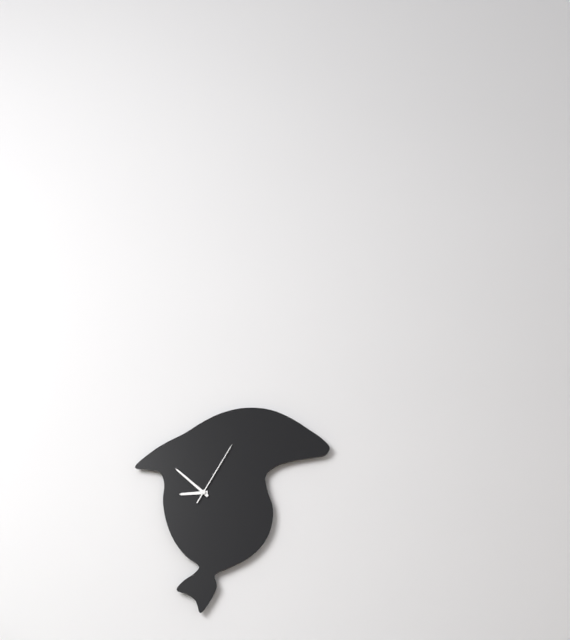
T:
**8:52:05**
